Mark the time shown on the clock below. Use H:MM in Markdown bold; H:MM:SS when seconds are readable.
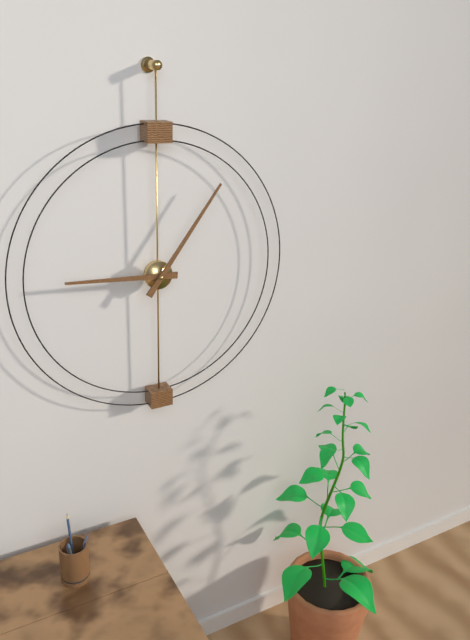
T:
**9:06**
